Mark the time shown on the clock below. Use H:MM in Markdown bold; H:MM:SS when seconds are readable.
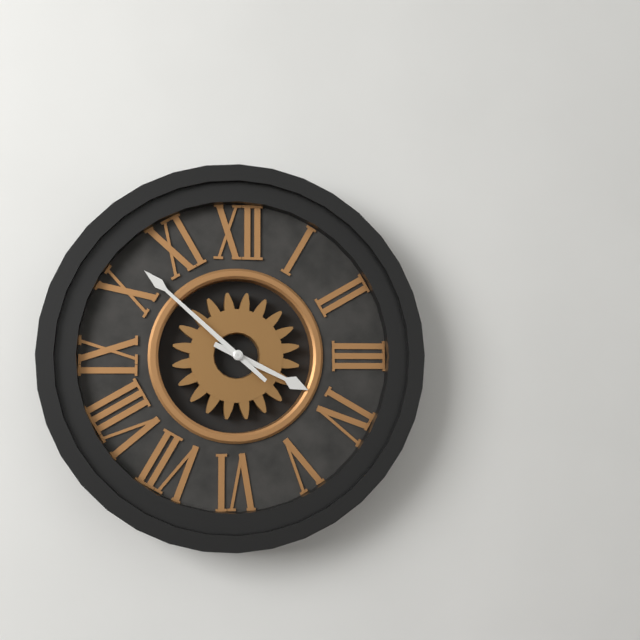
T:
**3:52**
